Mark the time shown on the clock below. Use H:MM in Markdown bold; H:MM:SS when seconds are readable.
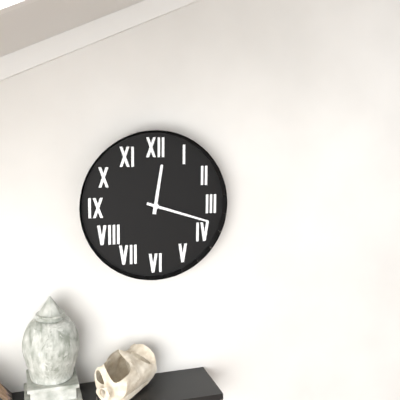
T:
**12:18**
